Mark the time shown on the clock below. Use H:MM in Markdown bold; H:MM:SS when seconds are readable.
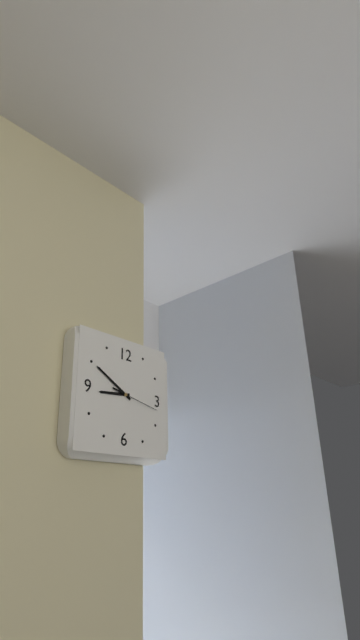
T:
**8:50**
